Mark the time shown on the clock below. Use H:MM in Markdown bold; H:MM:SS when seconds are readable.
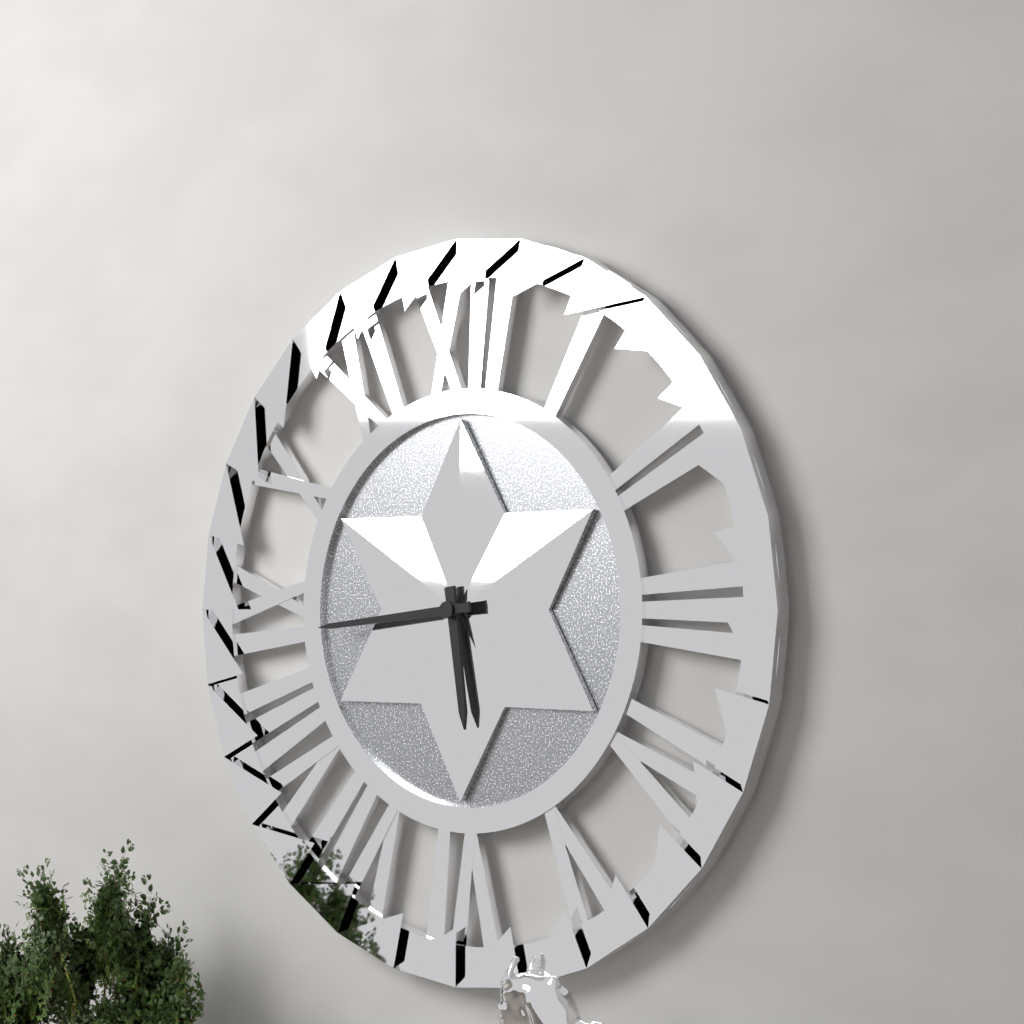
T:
**5:44**
